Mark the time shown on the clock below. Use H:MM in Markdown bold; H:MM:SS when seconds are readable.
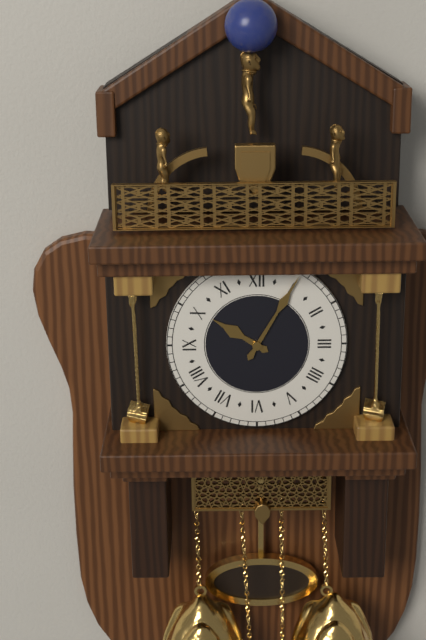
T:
**10:05**
